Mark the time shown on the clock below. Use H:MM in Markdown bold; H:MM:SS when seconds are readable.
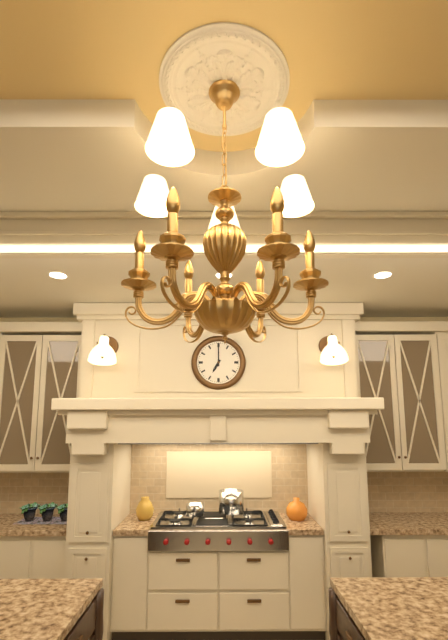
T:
**7:00**
